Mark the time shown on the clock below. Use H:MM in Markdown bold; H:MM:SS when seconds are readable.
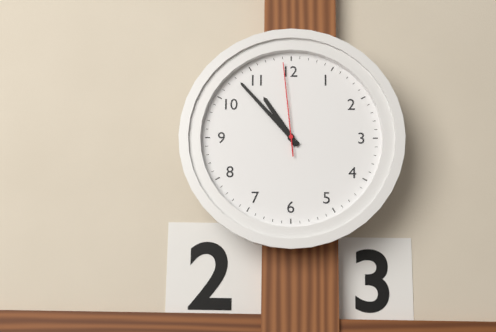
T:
**10:53:59**
